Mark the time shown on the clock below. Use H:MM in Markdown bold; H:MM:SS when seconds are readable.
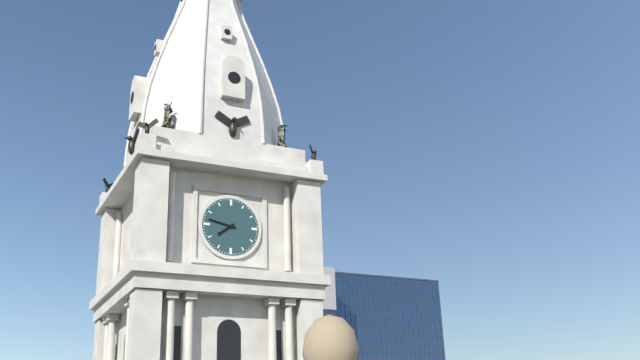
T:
**7:47**
